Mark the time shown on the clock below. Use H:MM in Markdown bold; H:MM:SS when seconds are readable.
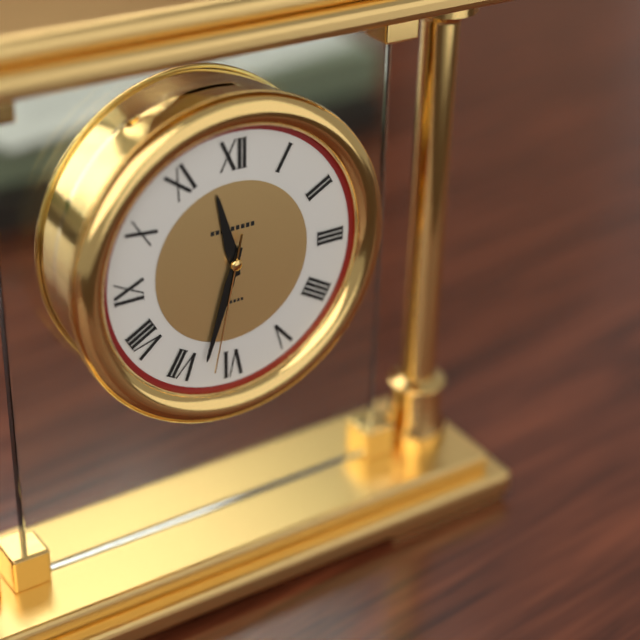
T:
**11:33:32**
